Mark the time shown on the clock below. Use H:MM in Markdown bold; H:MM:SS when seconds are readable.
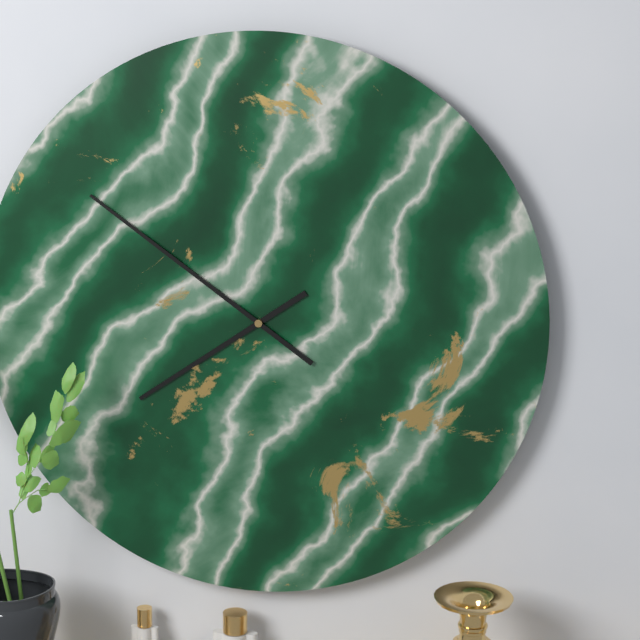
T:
**7:51**
